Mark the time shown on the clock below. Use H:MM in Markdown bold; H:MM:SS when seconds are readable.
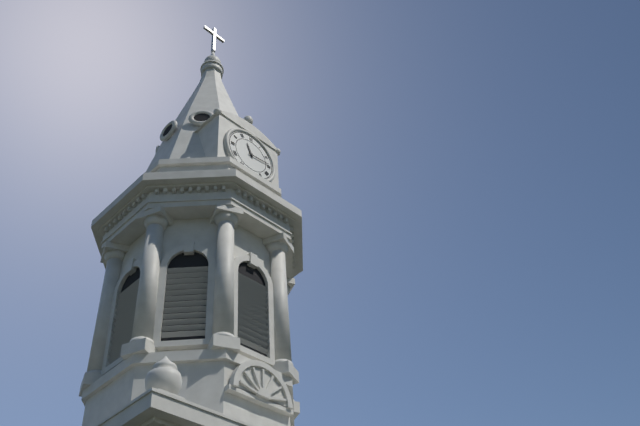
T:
**11:14**
